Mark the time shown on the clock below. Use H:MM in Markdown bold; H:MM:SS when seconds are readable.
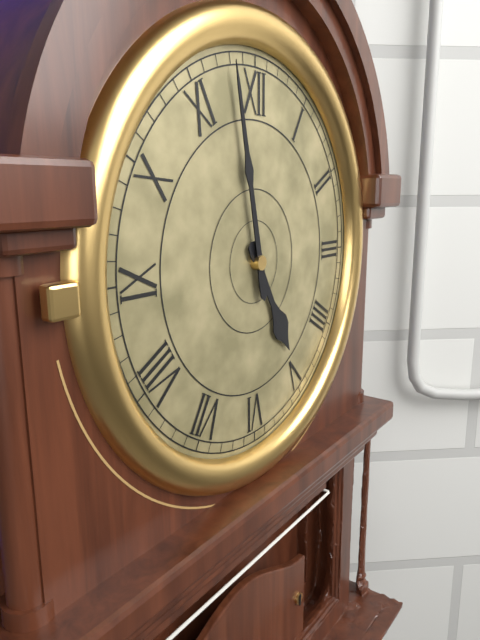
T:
**4:58**
